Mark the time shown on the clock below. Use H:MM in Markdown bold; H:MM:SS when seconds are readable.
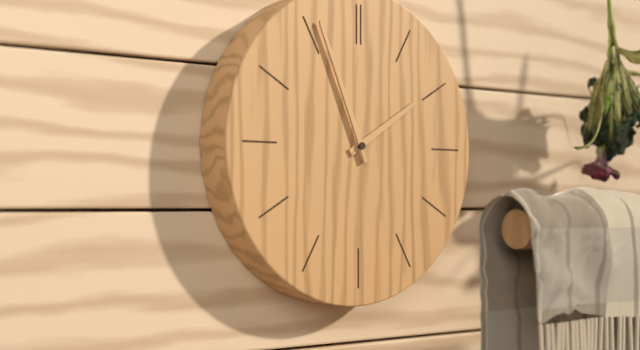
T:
**1:56**
